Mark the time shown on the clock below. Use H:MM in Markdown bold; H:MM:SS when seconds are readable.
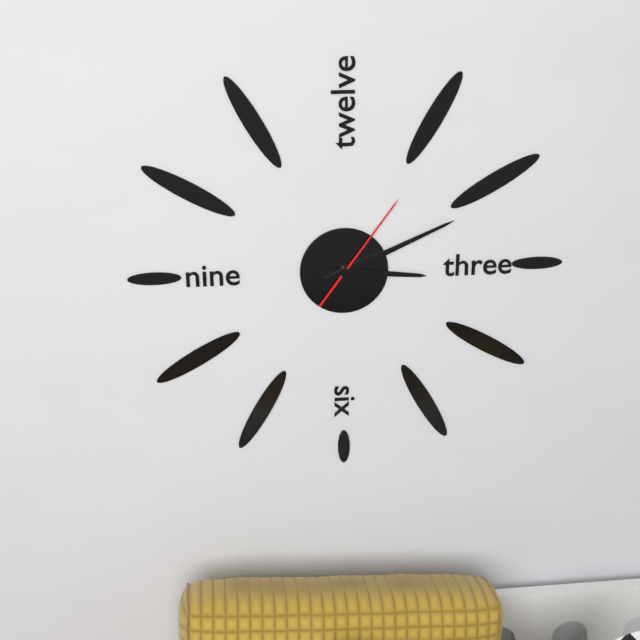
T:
**3:11:06**
